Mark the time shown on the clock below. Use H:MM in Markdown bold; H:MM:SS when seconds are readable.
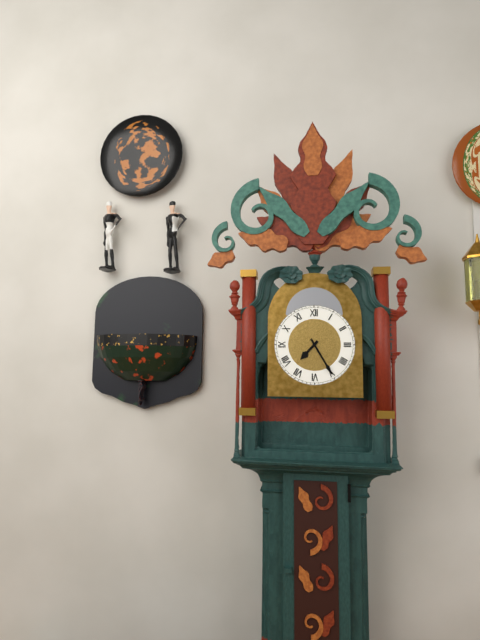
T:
**7:25**
